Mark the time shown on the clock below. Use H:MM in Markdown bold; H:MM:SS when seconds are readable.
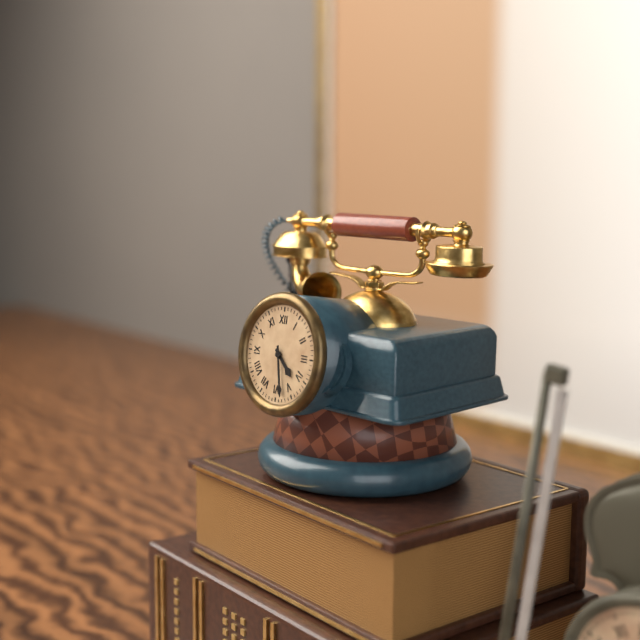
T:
**4:28**
